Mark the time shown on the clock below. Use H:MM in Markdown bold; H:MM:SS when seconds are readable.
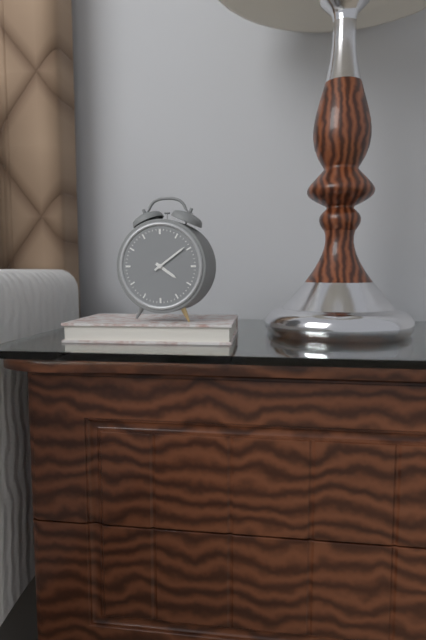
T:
**4:09**
